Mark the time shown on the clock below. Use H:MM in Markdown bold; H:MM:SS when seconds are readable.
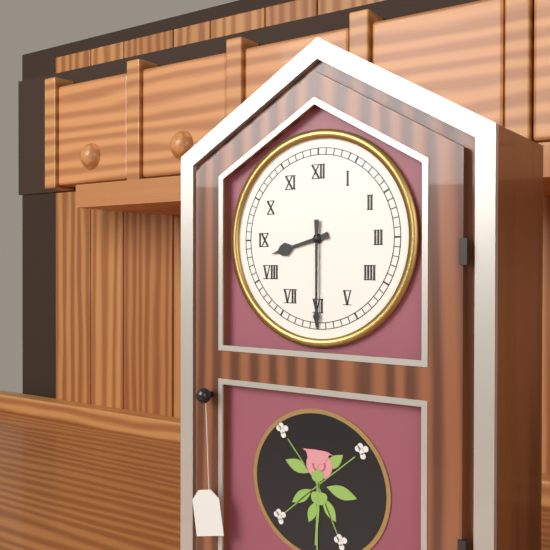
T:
**8:30**
